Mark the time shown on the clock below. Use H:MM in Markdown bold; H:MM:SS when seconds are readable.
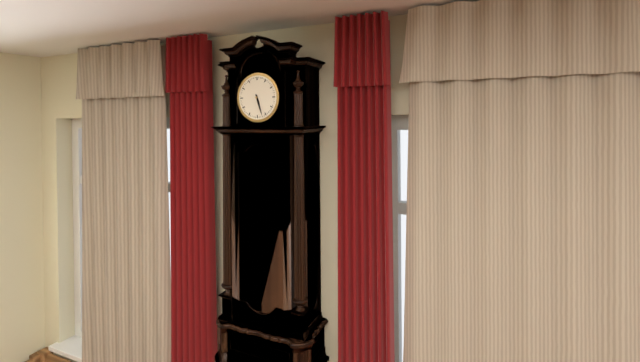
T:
**5:27**
